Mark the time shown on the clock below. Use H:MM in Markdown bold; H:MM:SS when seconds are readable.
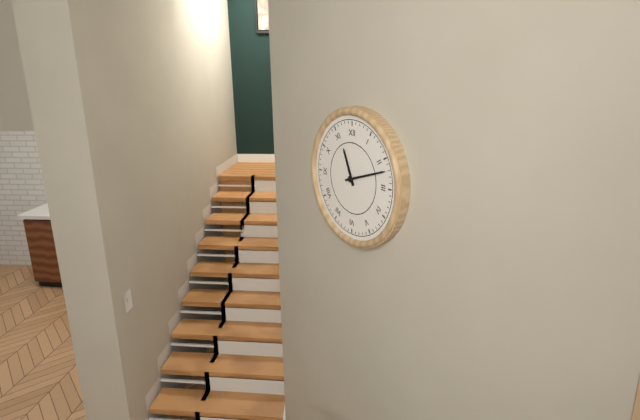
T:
**11:12**
